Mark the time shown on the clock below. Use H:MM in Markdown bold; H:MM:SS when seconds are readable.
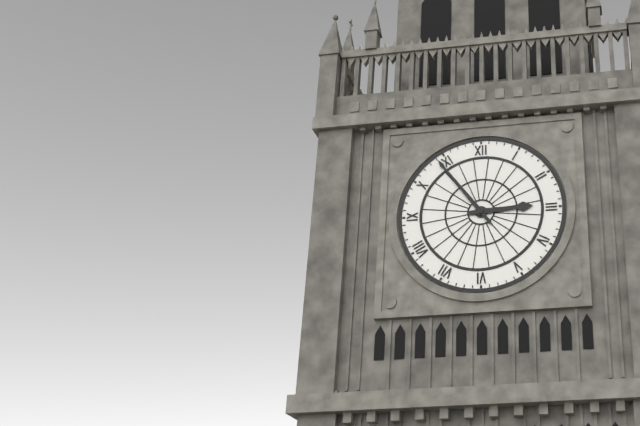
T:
**2:54**
